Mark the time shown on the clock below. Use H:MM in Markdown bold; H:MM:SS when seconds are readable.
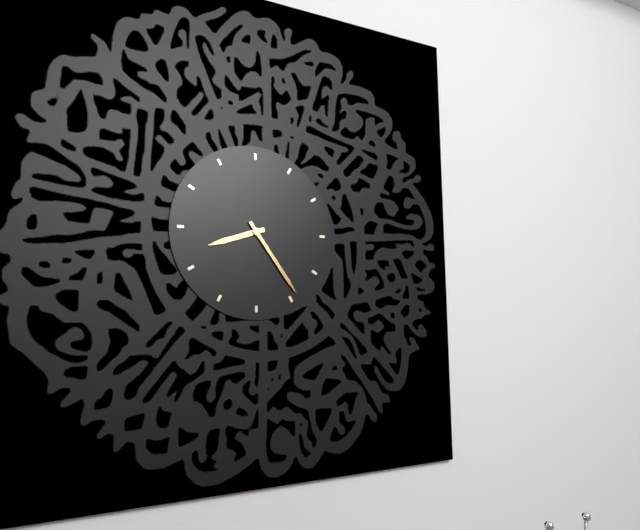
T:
**8:24**
